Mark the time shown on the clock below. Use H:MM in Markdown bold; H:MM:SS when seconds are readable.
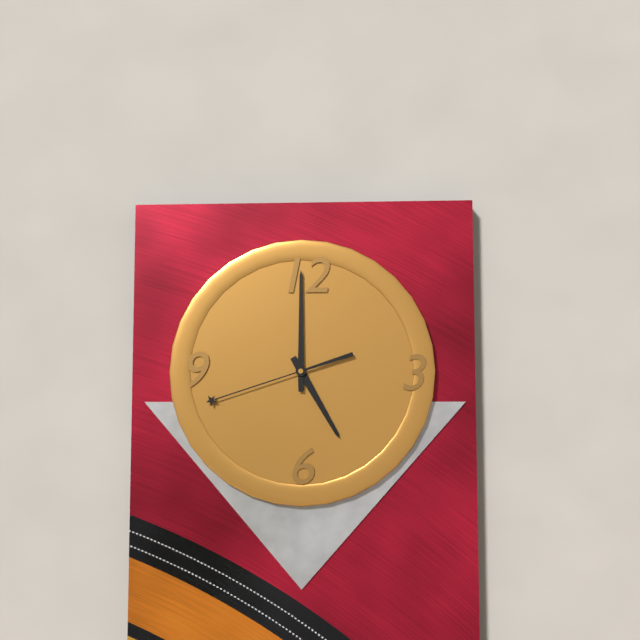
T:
**5:00:42**
